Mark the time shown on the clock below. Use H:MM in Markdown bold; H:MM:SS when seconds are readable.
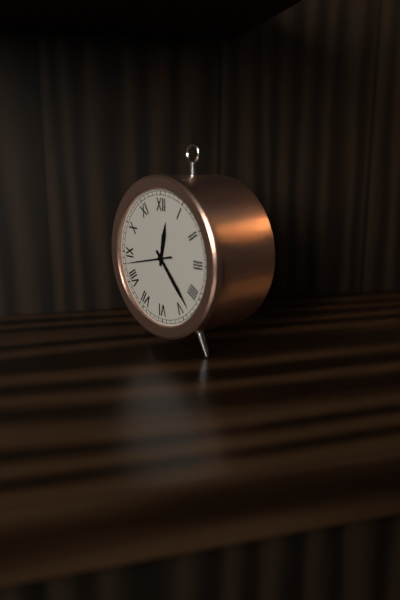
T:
**12:23:43**
